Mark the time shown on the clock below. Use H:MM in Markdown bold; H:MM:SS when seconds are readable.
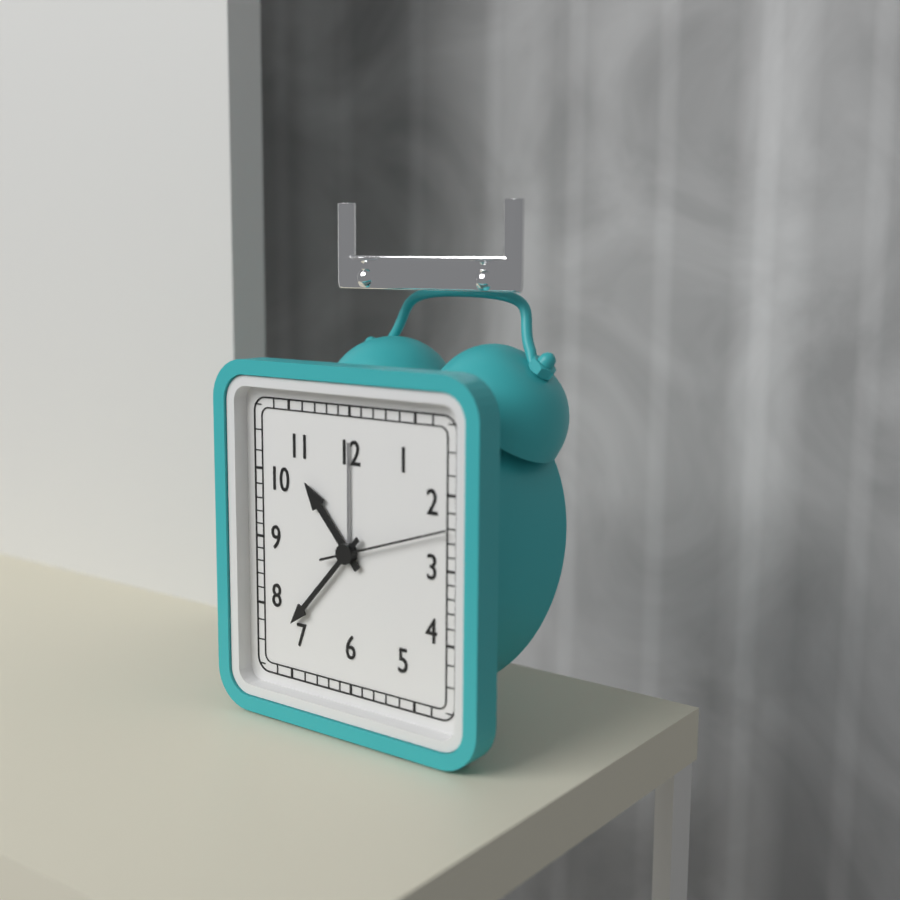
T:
**10:37**
